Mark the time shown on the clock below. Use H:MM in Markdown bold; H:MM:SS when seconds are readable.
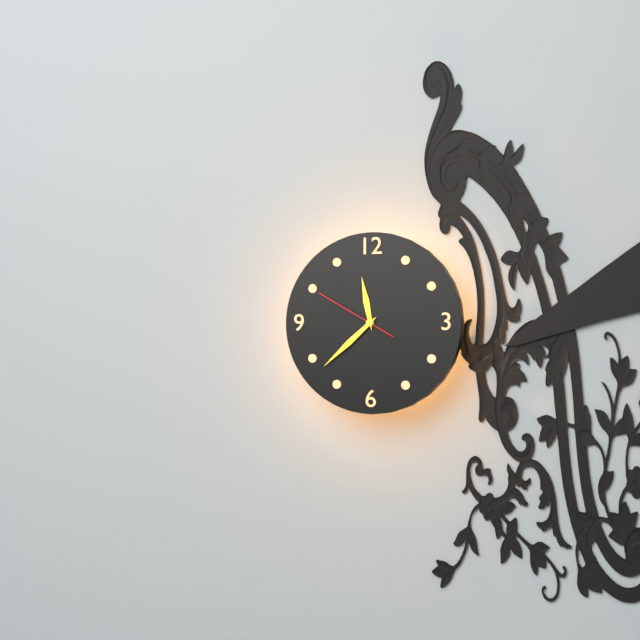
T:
**11:38:50**
